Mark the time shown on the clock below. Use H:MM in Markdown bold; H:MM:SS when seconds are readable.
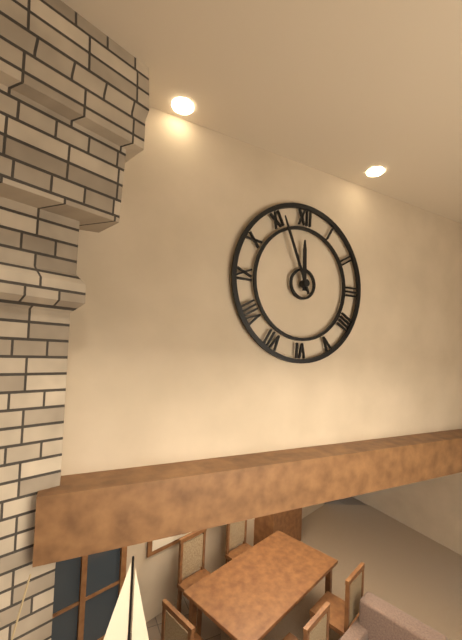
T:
**11:56**
